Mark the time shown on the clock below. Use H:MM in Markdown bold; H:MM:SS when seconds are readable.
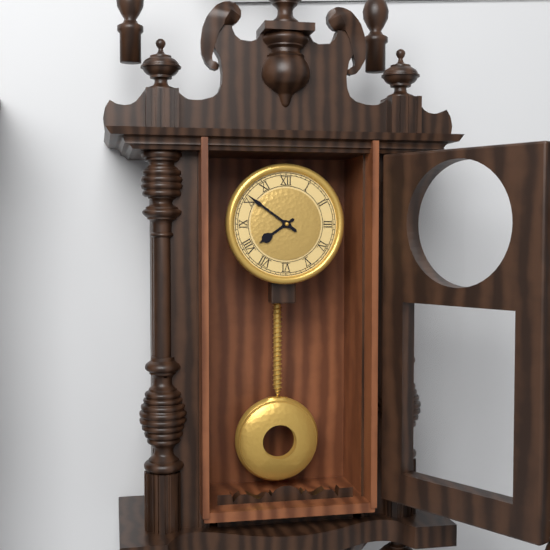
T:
**7:51**
